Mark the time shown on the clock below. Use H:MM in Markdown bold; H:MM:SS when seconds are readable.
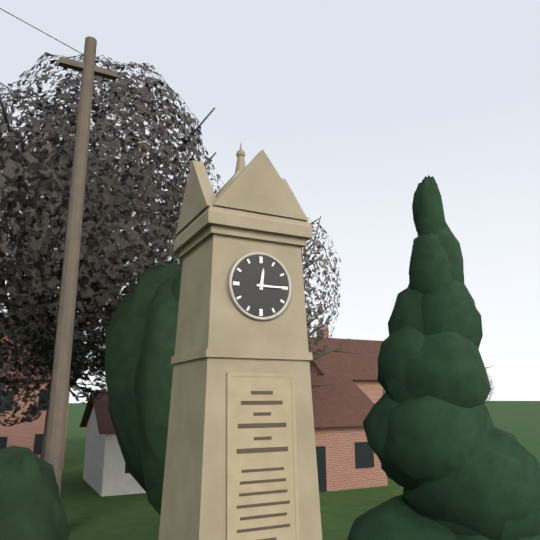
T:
**12:15**
